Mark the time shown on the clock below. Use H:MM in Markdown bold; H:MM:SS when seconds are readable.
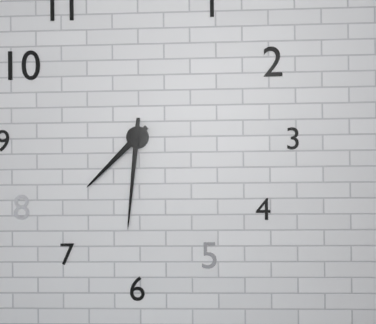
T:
**7:31**
